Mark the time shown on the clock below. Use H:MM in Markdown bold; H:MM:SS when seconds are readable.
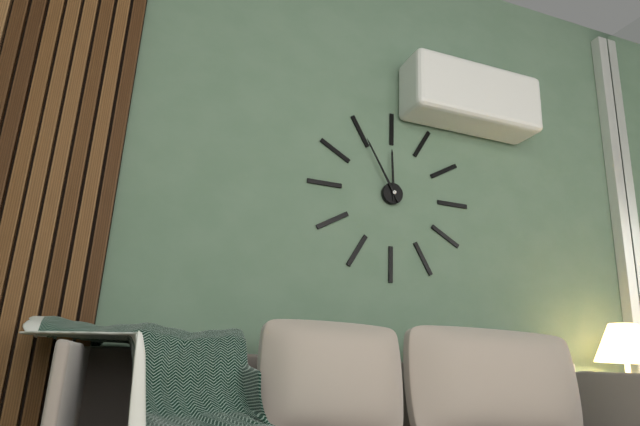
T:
**11:55**
